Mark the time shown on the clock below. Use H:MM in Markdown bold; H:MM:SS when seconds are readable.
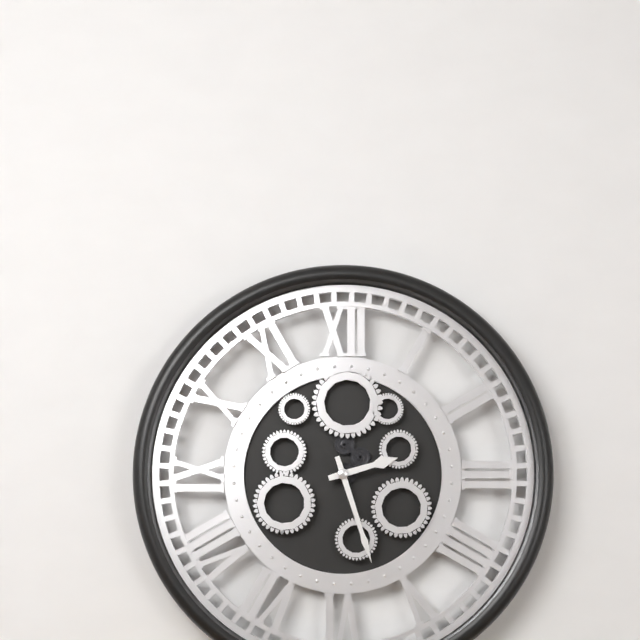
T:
**2:27**
